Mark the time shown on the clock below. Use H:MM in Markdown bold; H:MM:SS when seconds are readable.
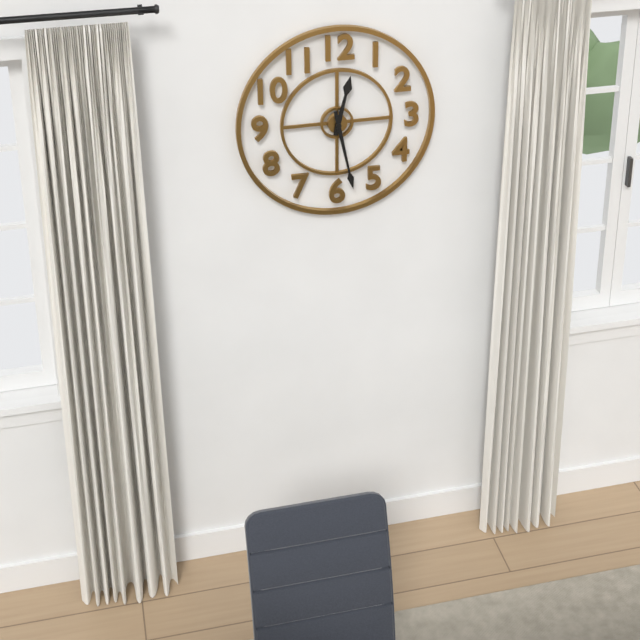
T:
**12:28**
